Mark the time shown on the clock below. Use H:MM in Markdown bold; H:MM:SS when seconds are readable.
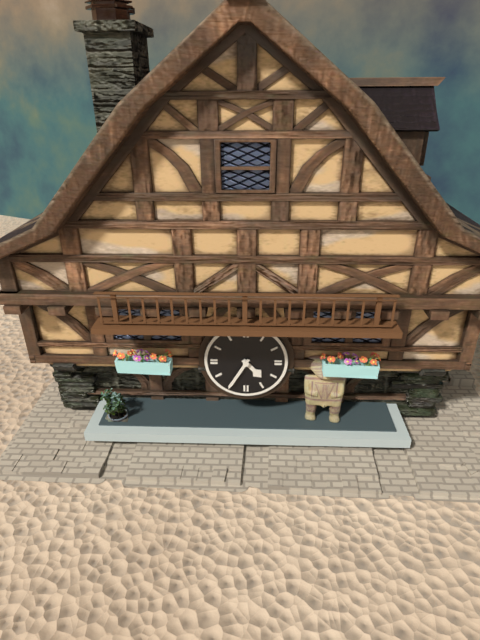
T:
**4:35**
